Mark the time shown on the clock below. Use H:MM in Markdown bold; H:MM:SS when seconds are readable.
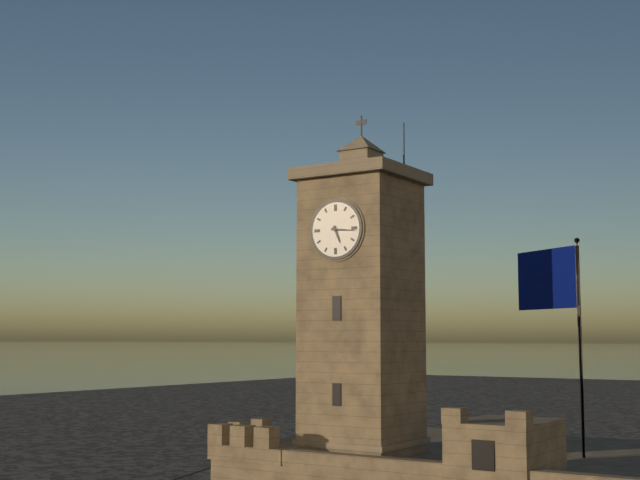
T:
**5:16**
